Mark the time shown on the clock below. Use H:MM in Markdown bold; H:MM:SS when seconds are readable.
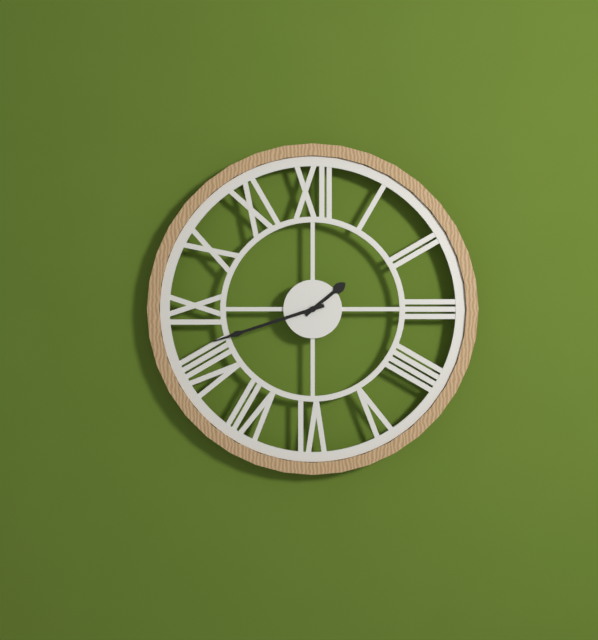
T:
**1:42**
